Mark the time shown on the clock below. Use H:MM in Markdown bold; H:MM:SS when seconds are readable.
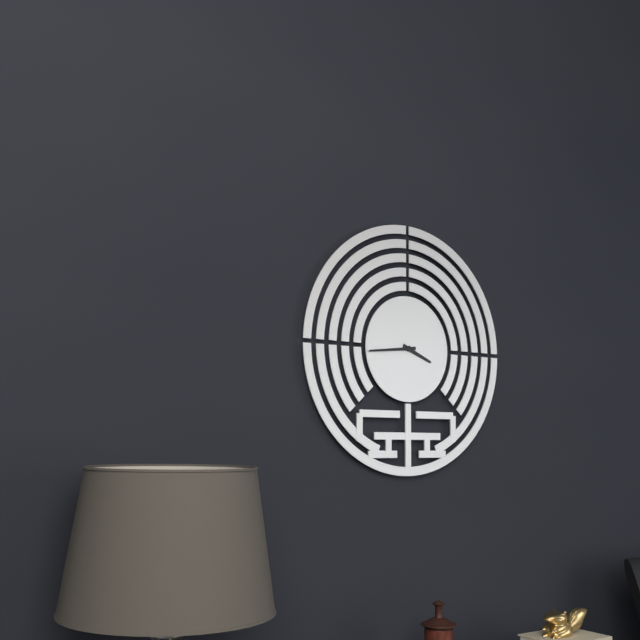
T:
**3:44**
